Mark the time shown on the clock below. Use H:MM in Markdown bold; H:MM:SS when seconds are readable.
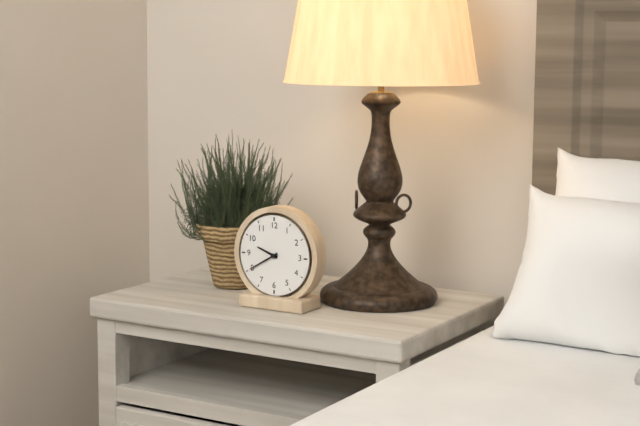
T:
**9:40**
